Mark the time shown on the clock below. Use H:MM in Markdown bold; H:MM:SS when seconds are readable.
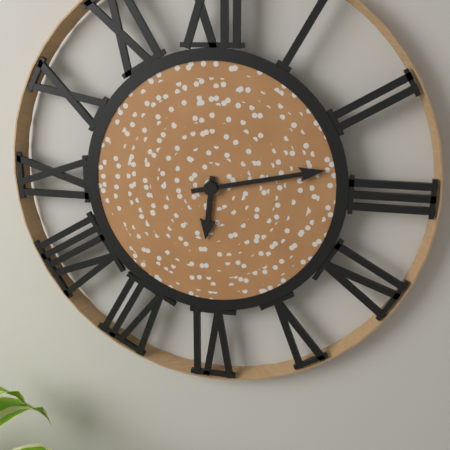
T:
**6:13**
